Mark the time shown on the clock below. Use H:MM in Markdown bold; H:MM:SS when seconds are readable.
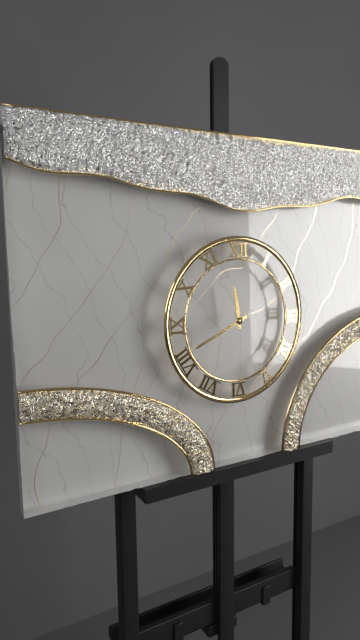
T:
**11:41**
